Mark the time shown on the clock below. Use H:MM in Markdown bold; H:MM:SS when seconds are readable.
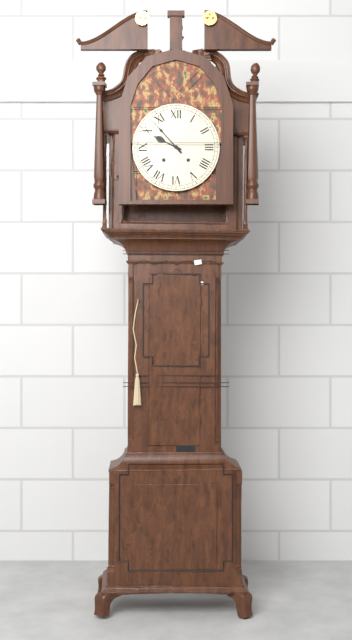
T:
**9:53**
